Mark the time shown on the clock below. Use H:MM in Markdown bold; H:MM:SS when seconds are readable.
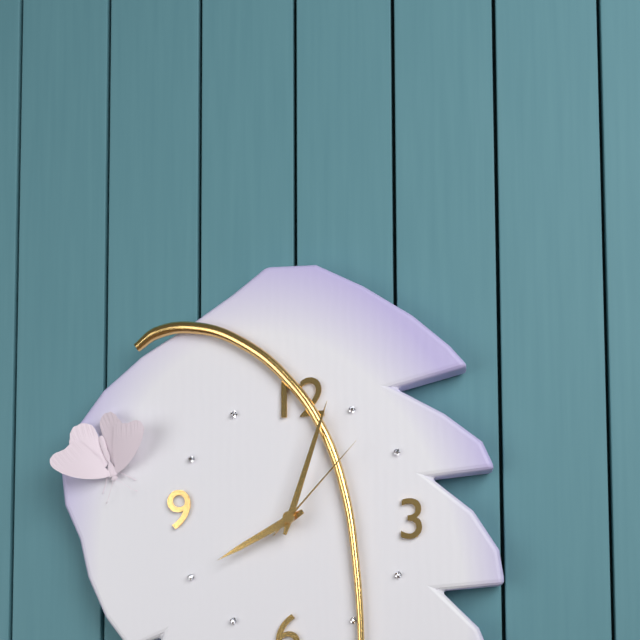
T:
**8:03:07**
